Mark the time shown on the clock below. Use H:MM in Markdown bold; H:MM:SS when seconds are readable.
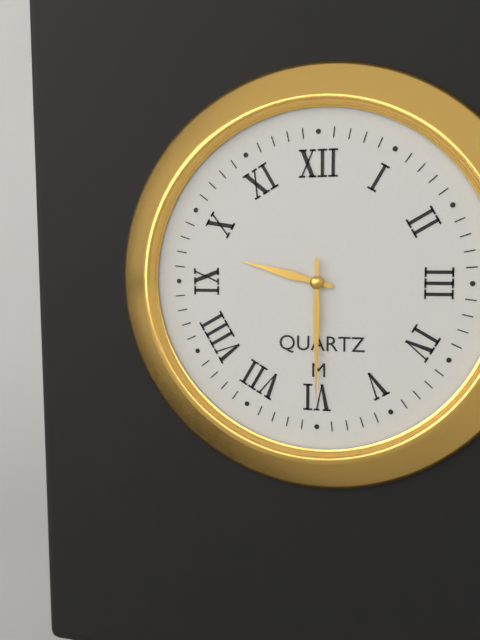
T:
**9:30**
